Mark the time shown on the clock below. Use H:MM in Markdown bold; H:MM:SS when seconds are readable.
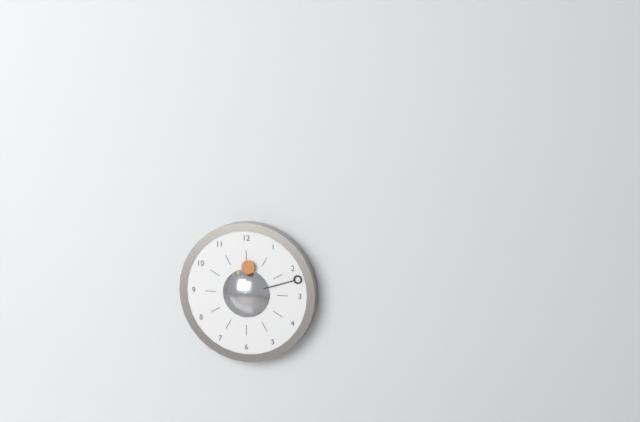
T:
**12:12**
